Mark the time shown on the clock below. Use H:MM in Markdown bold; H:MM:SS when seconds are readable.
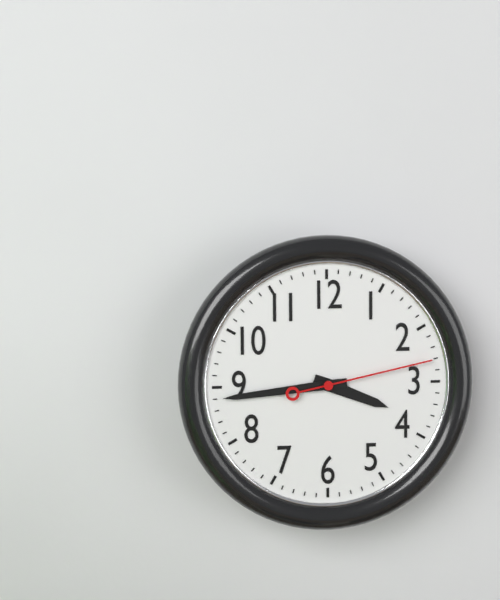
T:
**3:44:13**
